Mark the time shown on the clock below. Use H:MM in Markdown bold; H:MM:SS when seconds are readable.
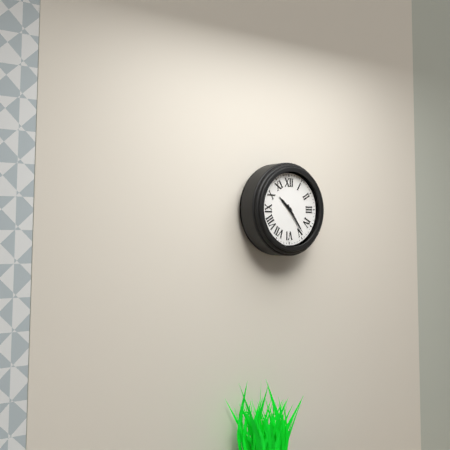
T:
**10:24**
